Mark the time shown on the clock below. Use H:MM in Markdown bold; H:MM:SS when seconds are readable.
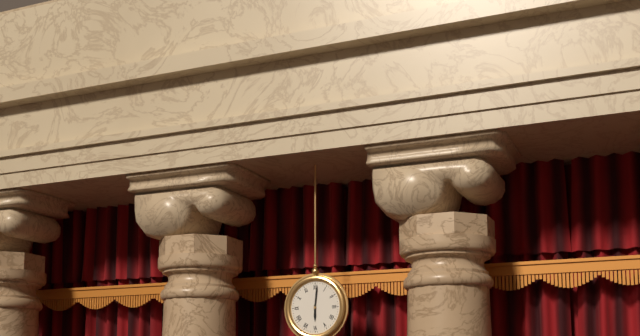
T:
**6:01**
